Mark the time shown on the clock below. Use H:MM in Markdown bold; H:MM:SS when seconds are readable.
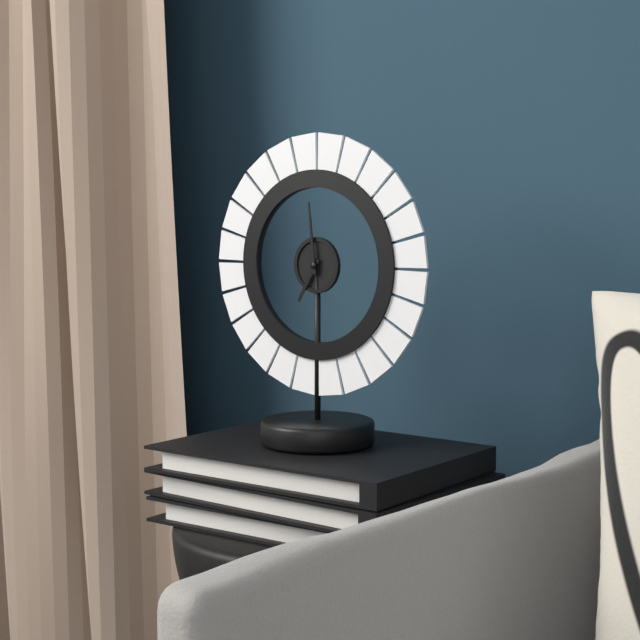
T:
**6:59**
